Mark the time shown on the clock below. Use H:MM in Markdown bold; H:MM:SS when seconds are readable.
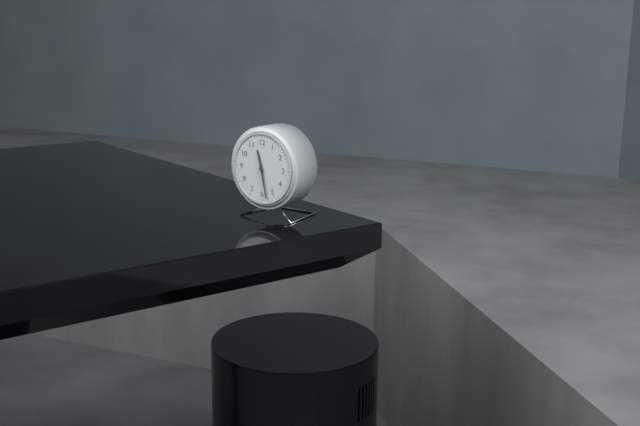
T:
**11:28**
